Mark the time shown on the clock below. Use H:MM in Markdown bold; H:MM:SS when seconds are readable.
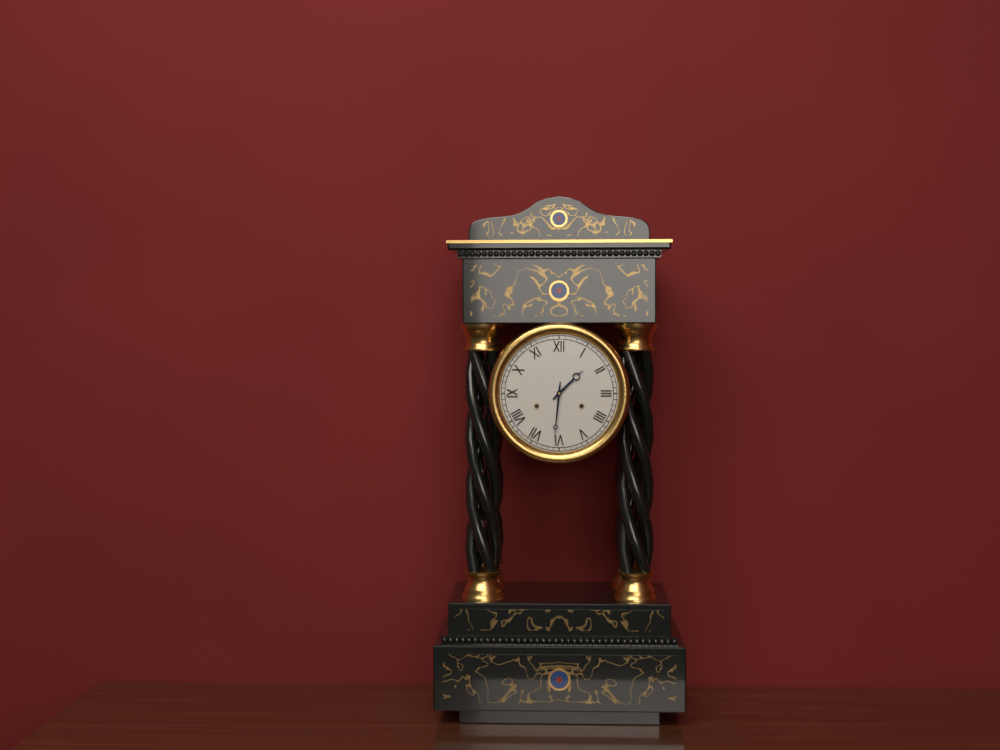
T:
**1:31**
